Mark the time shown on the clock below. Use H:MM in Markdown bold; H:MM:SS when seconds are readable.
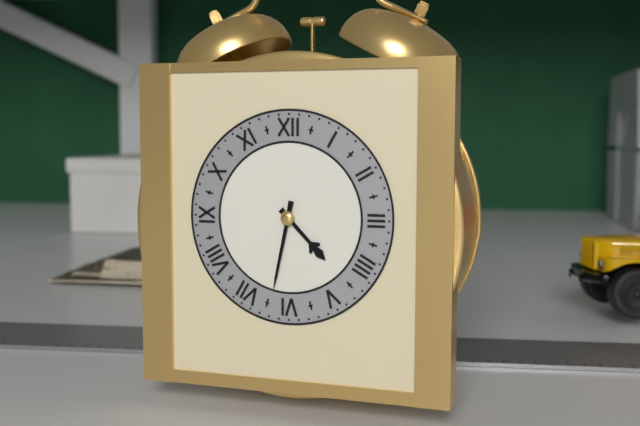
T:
**4:32**
